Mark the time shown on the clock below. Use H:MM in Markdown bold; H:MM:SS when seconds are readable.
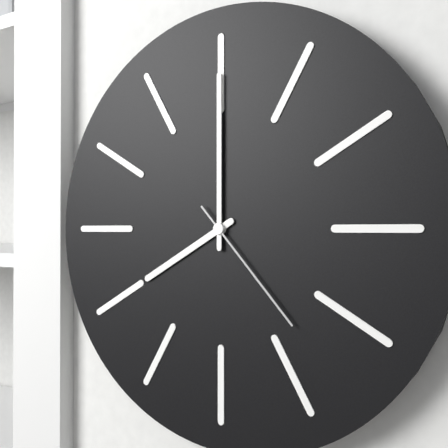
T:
**8:00:23**
